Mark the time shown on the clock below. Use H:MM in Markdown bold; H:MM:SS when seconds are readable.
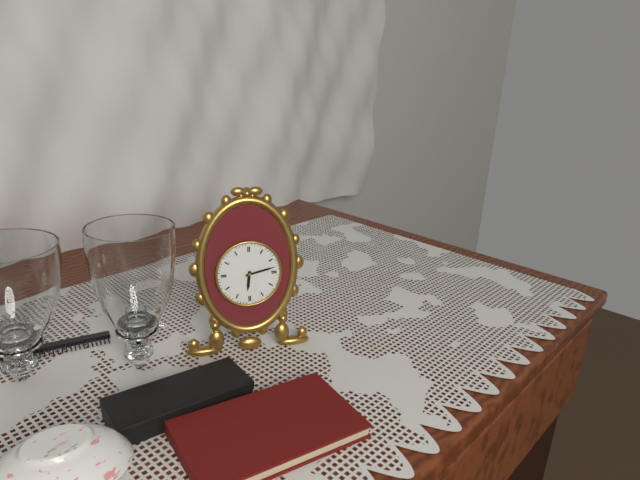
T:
**6:13**
